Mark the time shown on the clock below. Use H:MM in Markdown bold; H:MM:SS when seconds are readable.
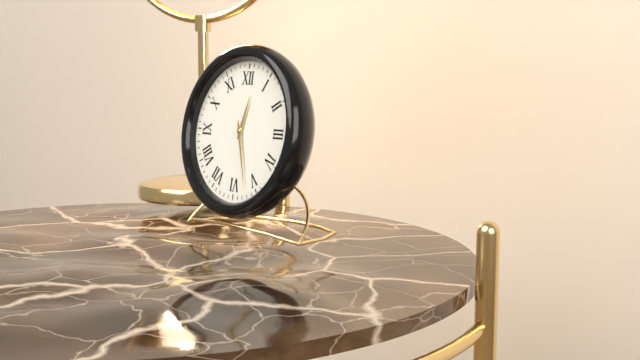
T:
**12:27**
